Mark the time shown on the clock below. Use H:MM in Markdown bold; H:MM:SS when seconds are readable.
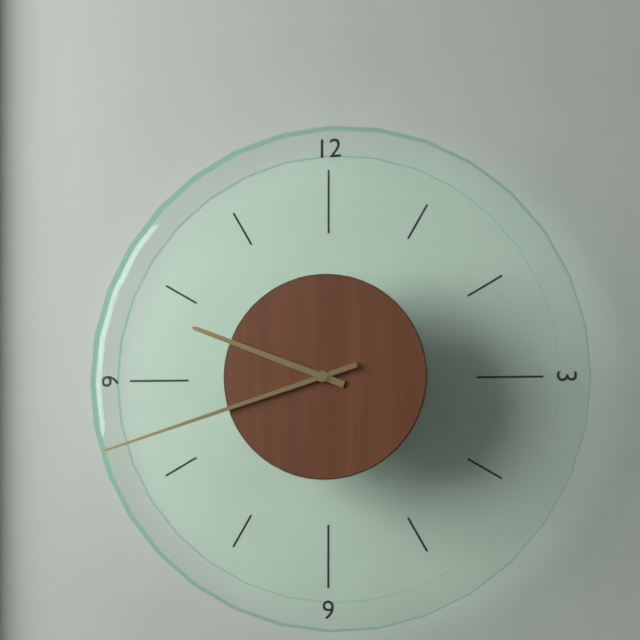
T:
**9:42**
